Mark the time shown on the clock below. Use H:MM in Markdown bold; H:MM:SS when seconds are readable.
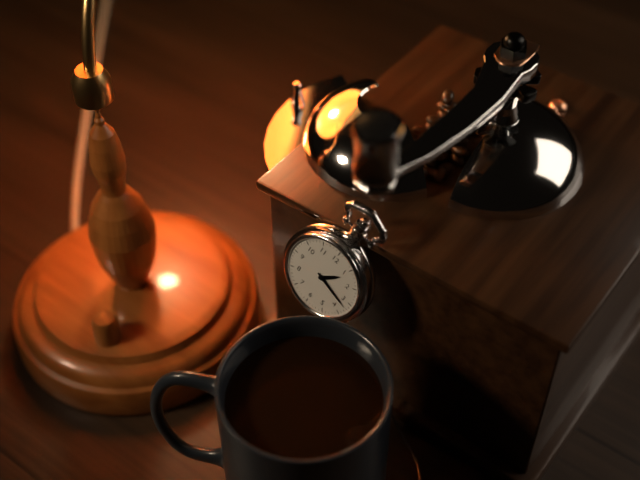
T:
**1:17**
